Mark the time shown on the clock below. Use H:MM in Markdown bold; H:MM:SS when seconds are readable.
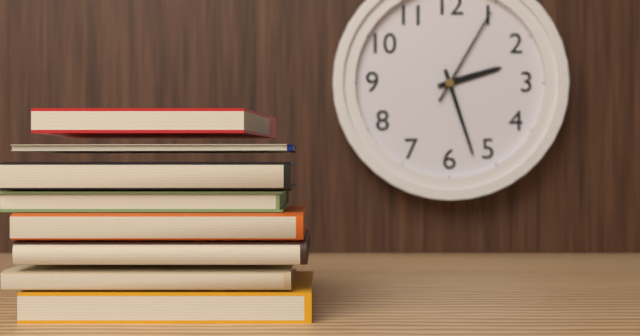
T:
**2:27:05**
